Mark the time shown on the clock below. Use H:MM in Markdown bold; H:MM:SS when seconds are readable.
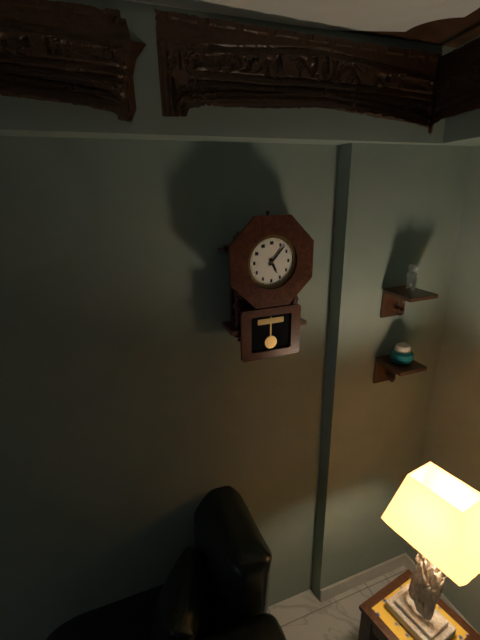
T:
**5:07**
